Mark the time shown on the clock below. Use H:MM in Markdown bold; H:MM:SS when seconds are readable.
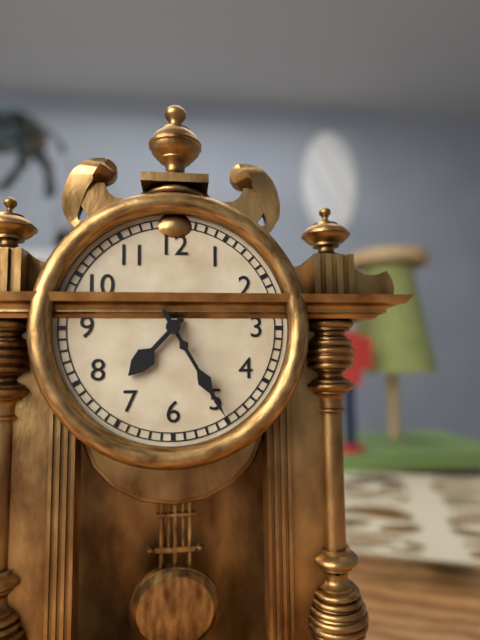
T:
**7:25**
